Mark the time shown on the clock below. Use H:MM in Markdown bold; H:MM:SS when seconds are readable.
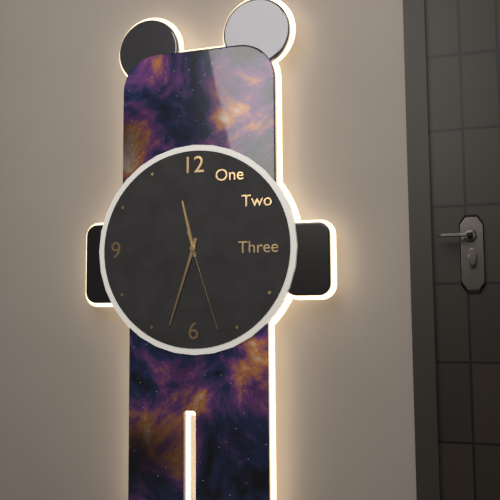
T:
**11:33:27**
